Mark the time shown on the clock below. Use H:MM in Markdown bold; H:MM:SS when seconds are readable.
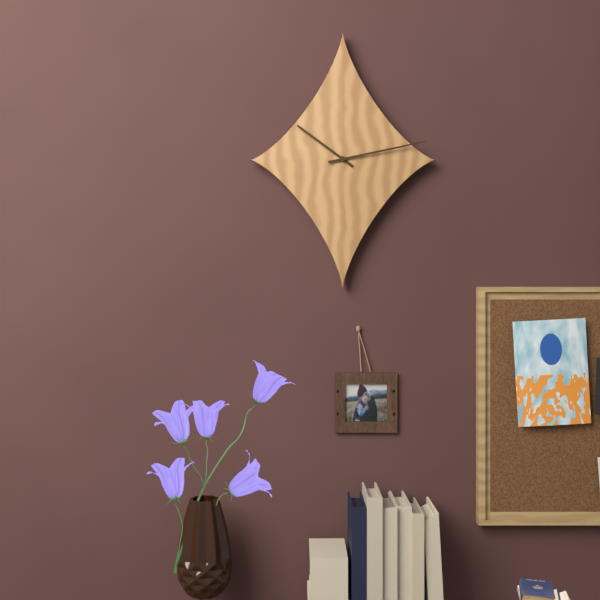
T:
**10:13**
